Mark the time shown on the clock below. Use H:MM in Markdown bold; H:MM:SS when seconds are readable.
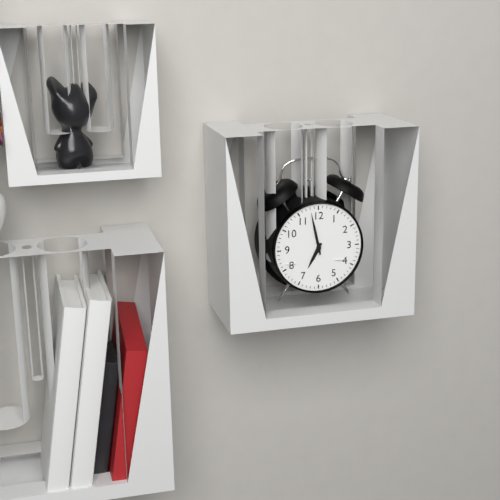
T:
**6:58**
